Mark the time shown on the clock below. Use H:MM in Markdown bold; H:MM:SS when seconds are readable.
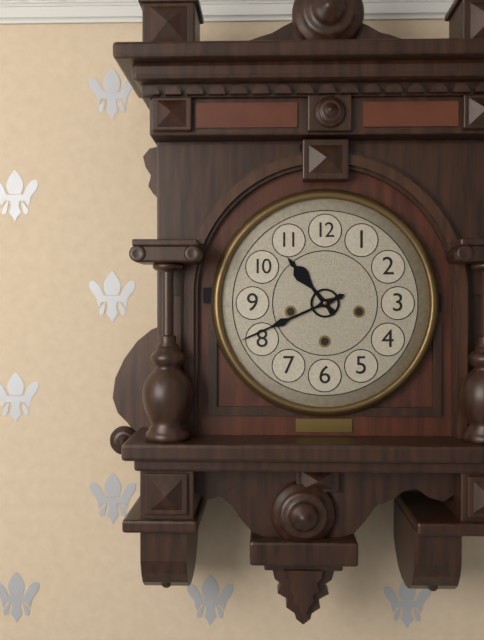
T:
**10:41**
